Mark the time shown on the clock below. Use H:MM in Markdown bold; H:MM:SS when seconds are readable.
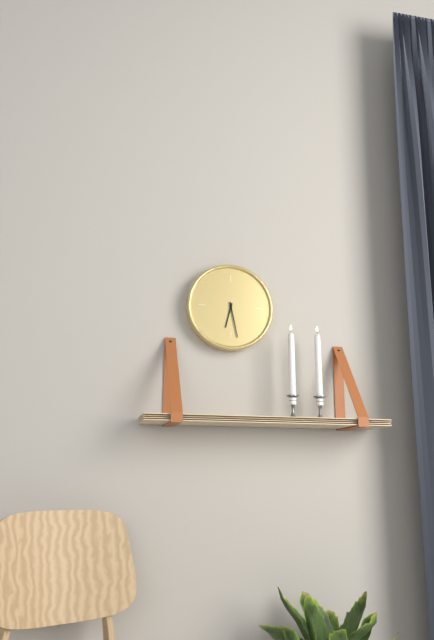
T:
**6:28**
